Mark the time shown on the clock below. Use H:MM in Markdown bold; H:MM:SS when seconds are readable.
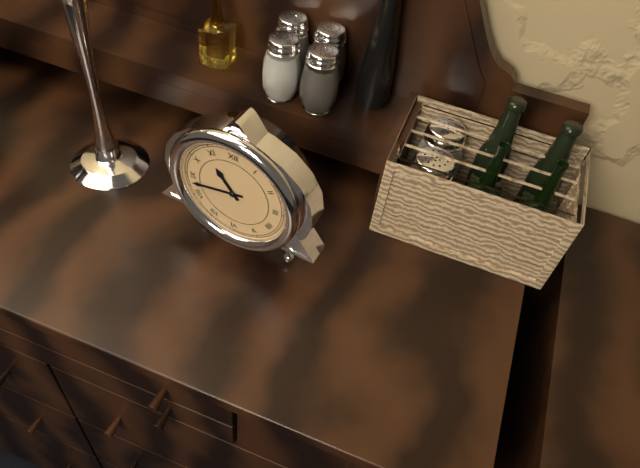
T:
**10:43**
